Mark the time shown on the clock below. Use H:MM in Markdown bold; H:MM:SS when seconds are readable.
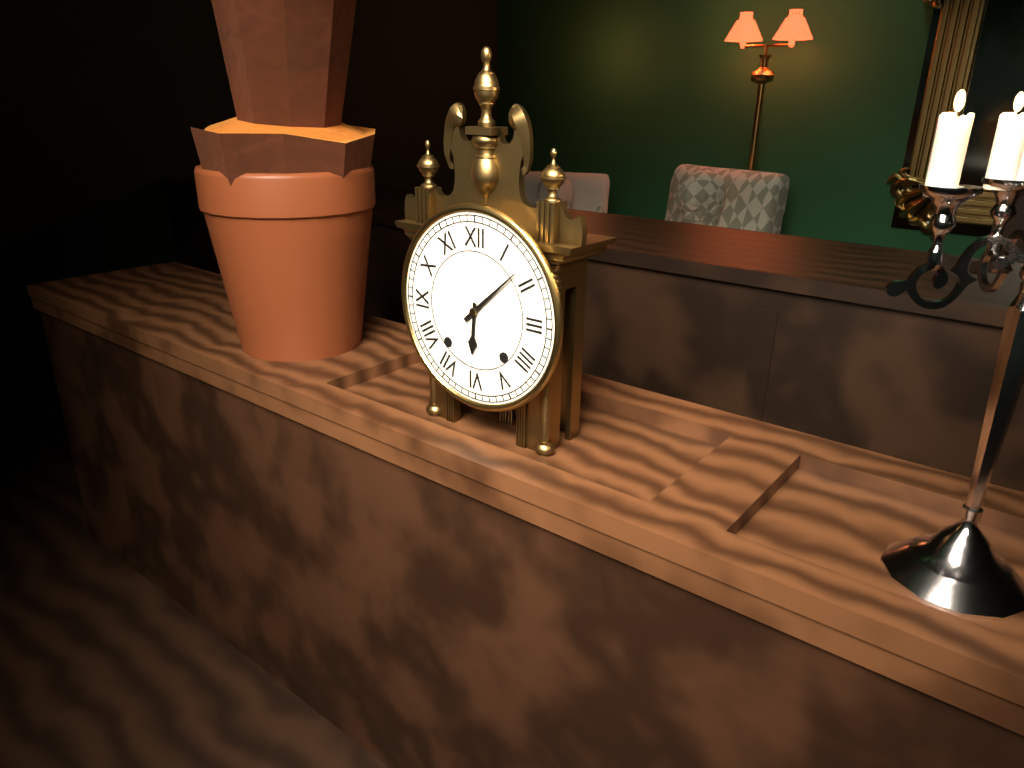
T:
**6:08**
